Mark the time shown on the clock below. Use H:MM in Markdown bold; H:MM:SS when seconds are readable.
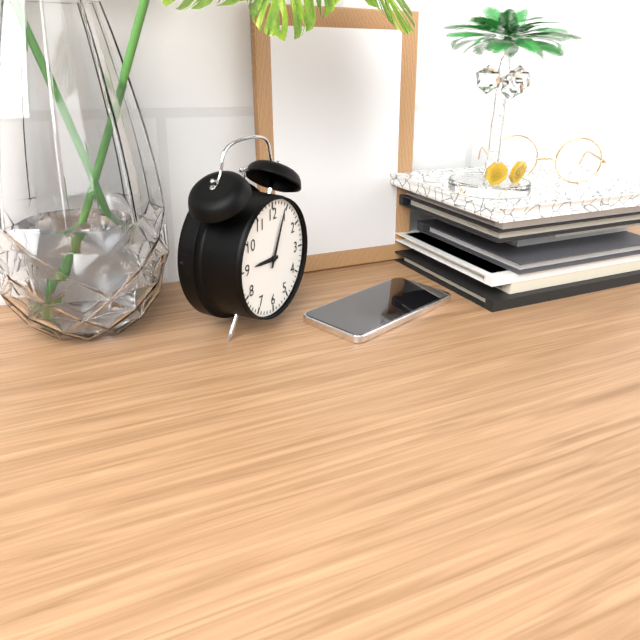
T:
**9:04**
